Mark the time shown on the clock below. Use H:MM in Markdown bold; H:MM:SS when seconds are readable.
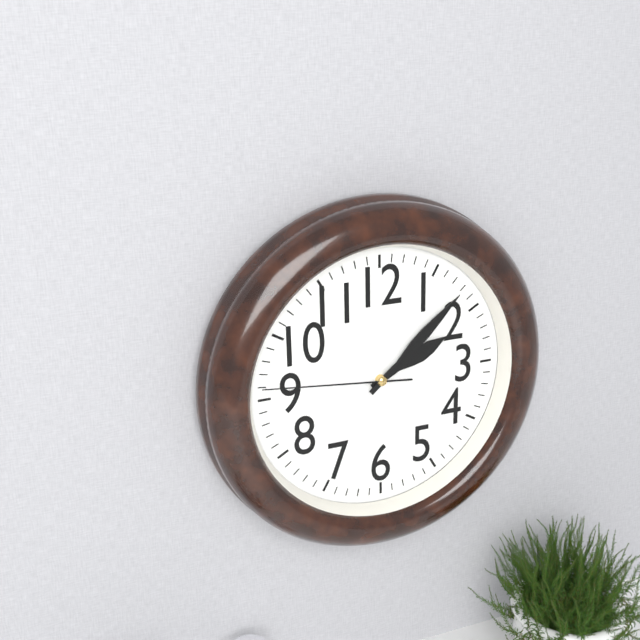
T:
**2:08:46**
